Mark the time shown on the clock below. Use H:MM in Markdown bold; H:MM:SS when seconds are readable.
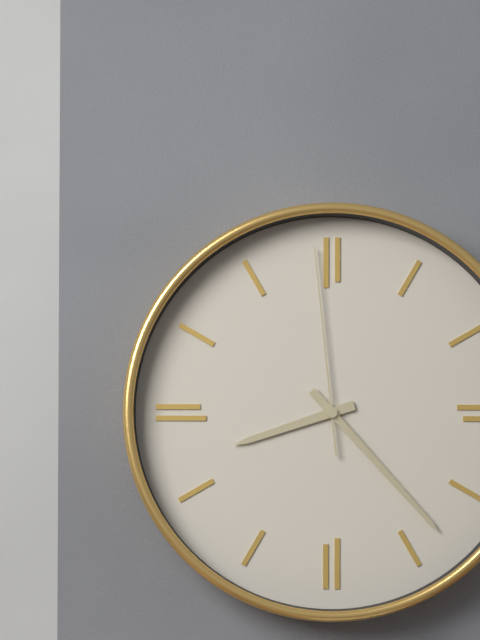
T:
**8:23:59**
